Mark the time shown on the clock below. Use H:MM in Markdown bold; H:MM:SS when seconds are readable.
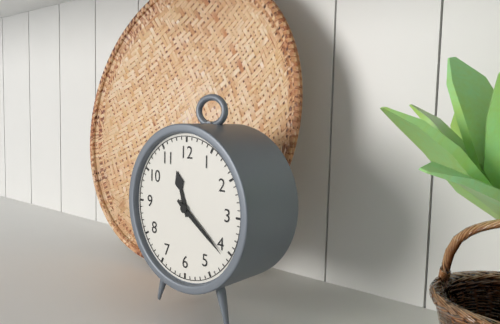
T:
**11:21**
